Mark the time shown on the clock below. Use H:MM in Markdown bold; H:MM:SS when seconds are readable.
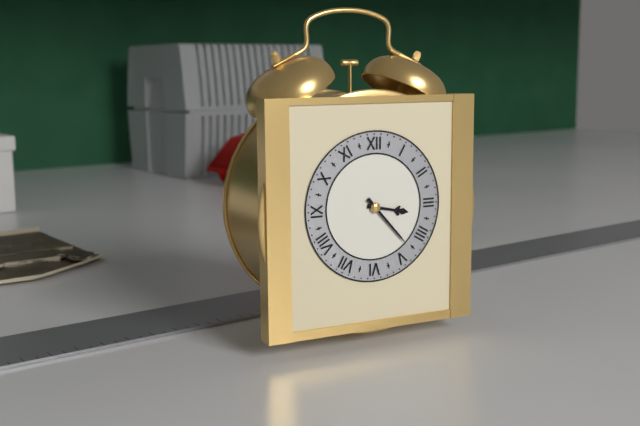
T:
**3:23**
